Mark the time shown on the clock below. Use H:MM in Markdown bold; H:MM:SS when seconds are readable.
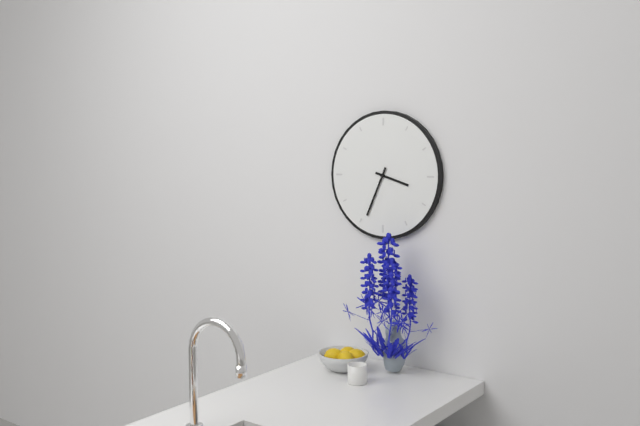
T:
**3:34**
